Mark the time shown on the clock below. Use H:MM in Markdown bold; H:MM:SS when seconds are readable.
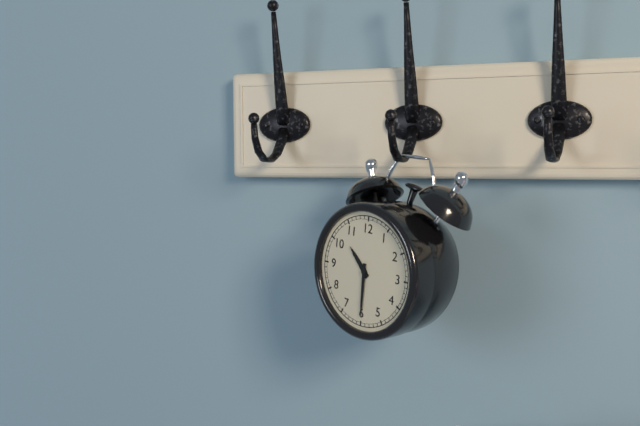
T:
**10:30**
